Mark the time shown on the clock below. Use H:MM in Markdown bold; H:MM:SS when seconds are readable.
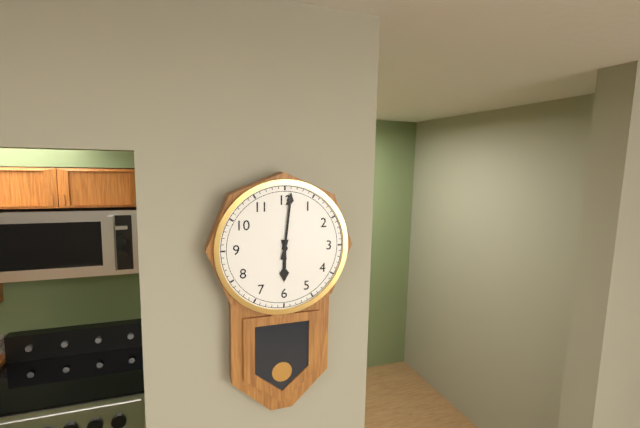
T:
**6:01**
